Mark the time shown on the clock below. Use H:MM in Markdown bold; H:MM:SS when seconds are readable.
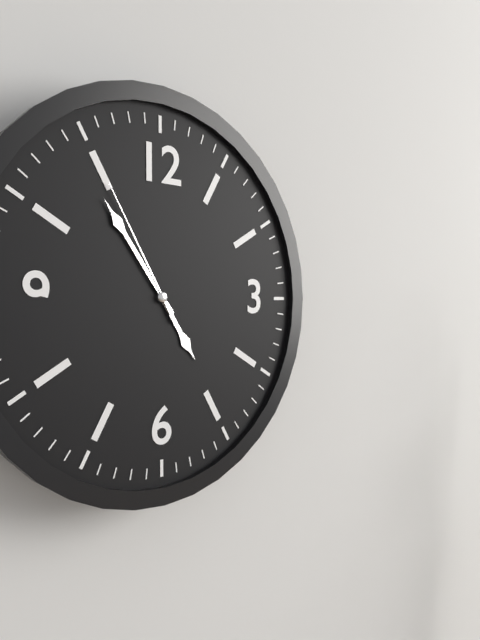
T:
**4:54:55**
